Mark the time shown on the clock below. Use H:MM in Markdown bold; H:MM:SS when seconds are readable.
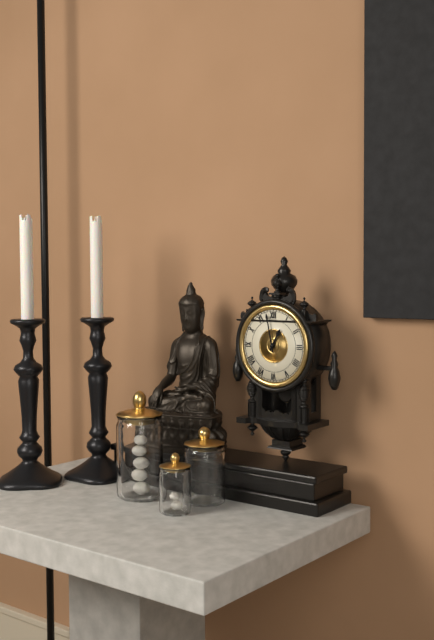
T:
**12:58**
